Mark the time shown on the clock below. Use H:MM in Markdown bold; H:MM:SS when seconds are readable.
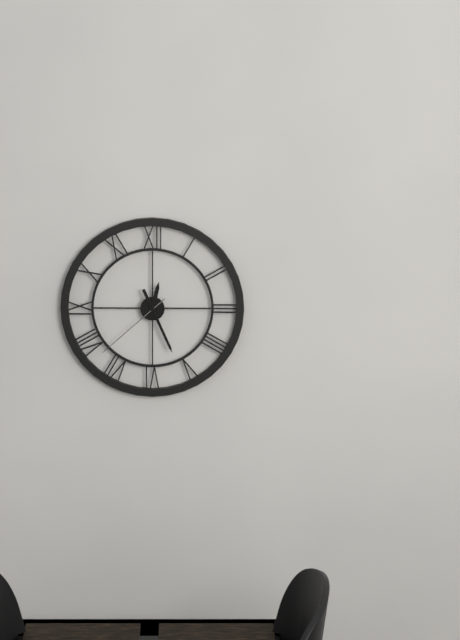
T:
**12:26:38**
